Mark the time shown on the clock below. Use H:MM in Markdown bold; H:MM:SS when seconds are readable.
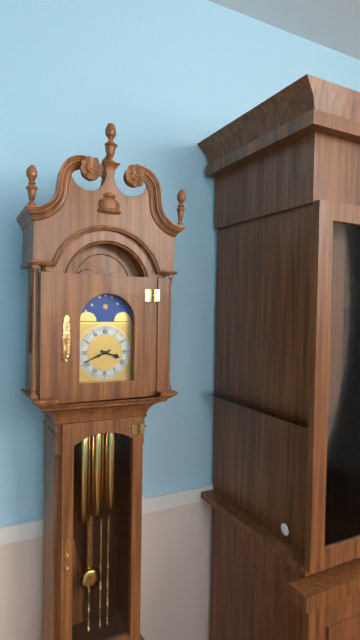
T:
**3:41**
